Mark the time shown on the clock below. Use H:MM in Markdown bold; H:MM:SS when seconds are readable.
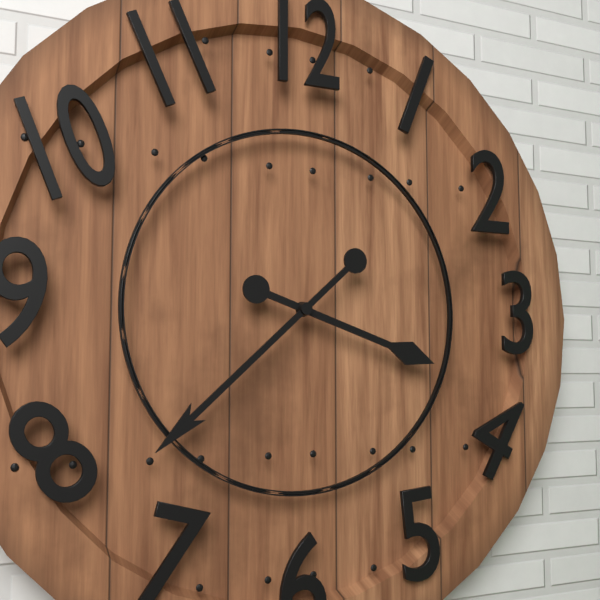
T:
**3:38**
